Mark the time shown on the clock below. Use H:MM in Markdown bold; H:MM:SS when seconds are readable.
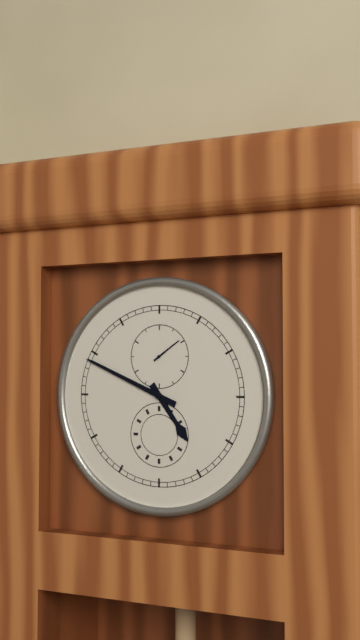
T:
**4:49**
